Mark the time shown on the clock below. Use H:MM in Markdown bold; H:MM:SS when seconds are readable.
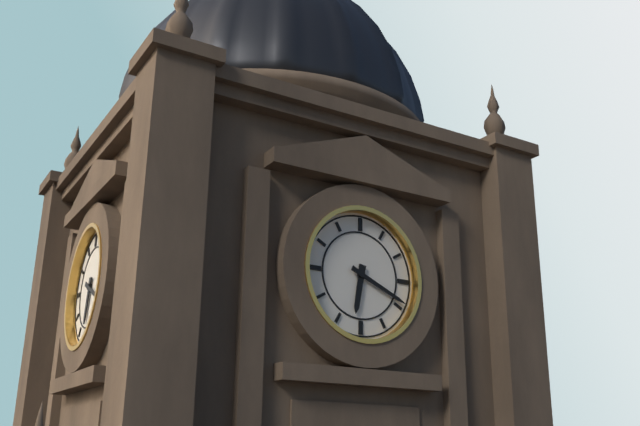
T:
**6:19**
